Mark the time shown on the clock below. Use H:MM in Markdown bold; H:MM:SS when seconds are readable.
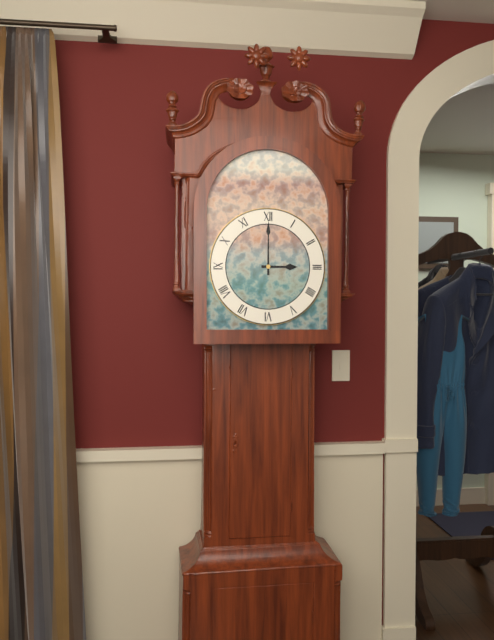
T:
**3:00**
